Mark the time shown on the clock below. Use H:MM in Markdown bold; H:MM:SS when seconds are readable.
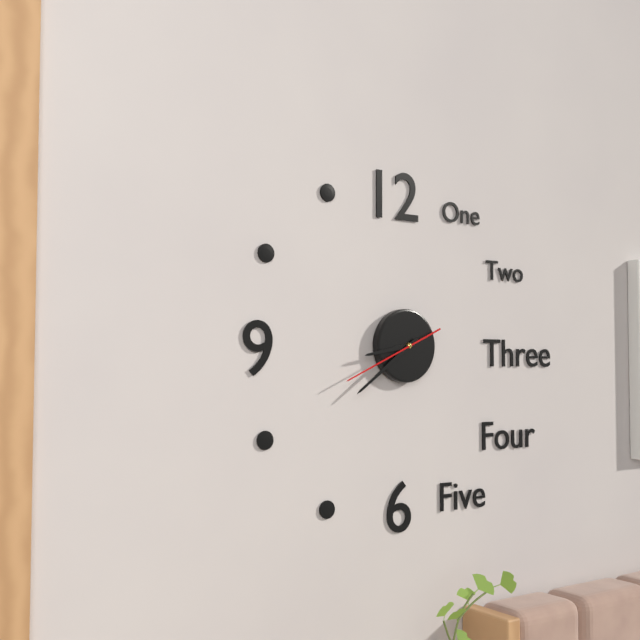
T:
**8:39:41**
